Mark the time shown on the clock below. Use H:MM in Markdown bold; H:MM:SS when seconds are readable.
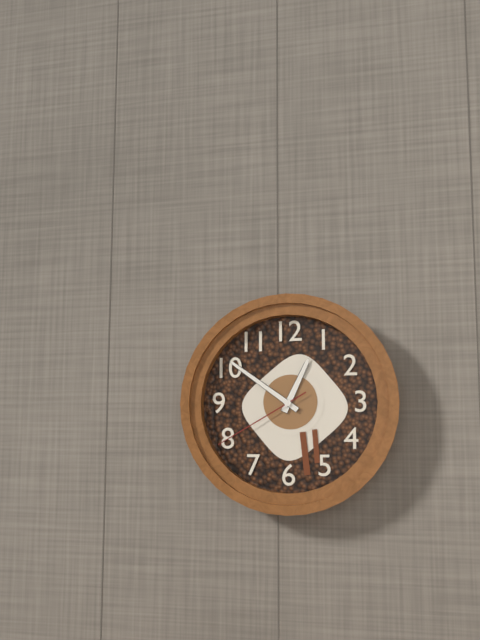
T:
**12:51:40**
